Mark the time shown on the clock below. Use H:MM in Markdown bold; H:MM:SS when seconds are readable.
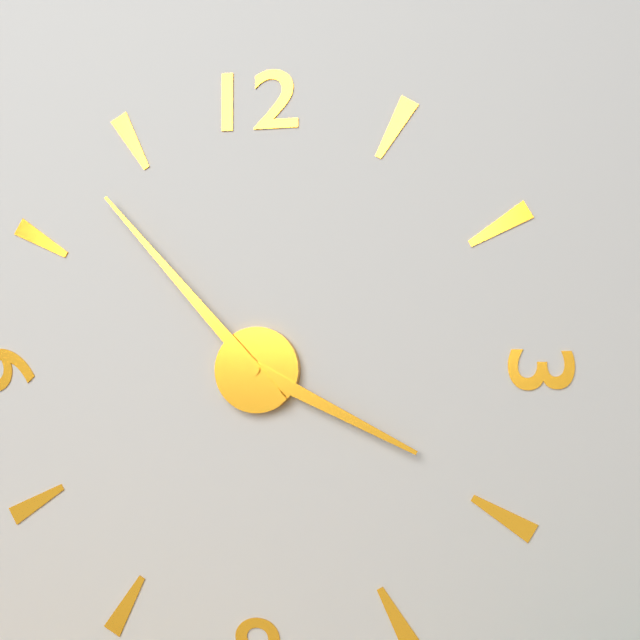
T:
**3:53**
